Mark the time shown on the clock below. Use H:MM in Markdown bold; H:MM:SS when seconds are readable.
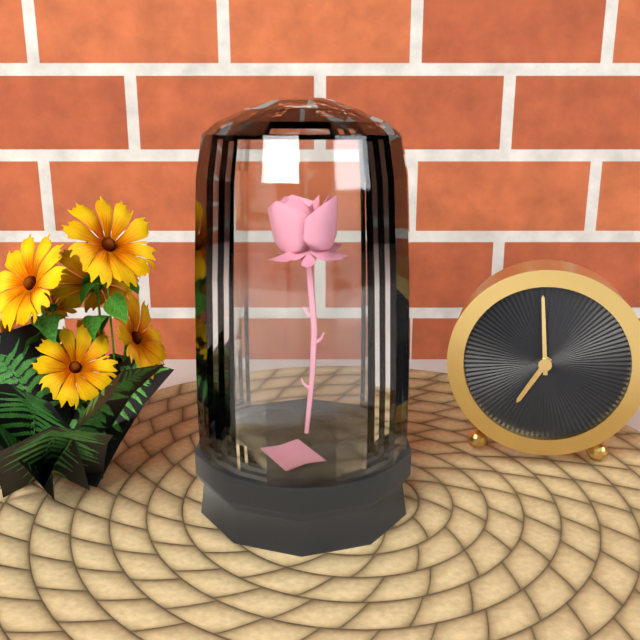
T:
**6:59**
